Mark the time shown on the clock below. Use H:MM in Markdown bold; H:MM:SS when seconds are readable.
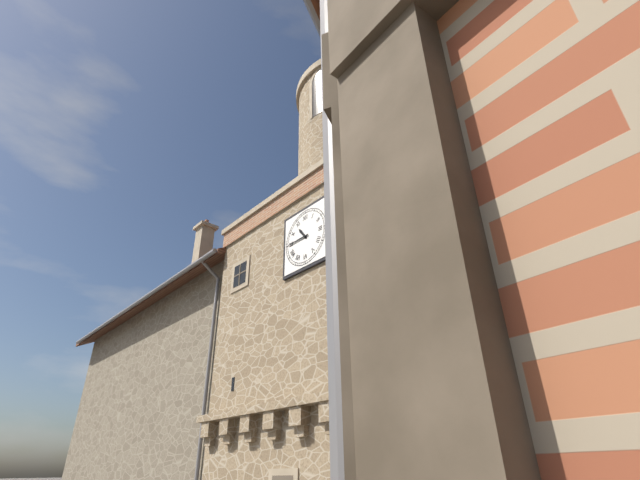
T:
**10:45**
